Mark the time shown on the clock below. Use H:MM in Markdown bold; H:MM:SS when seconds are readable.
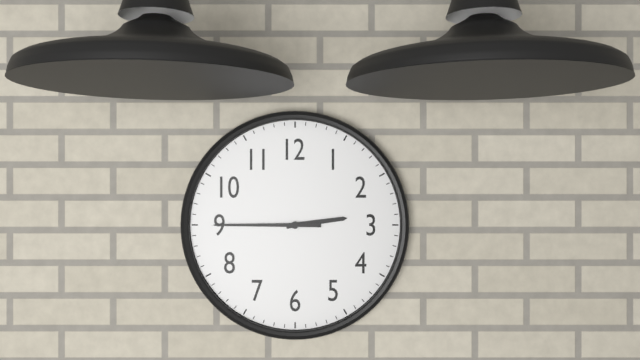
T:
**2:45**
